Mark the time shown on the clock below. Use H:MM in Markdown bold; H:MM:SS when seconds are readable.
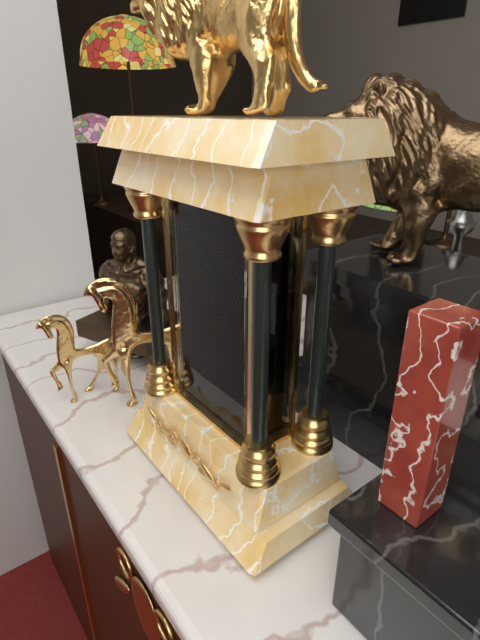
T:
**6:54**
